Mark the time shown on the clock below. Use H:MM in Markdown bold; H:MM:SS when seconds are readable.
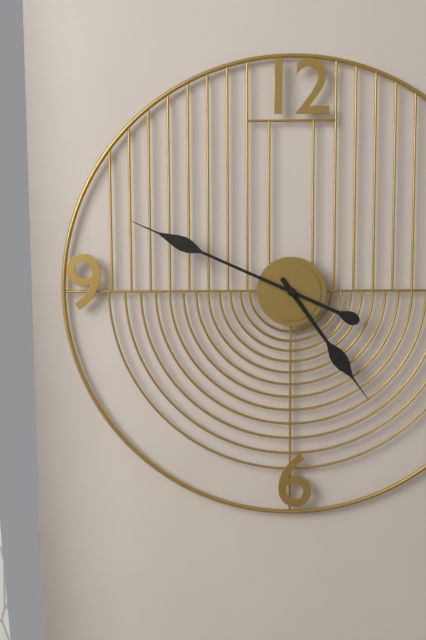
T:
**4:49**
